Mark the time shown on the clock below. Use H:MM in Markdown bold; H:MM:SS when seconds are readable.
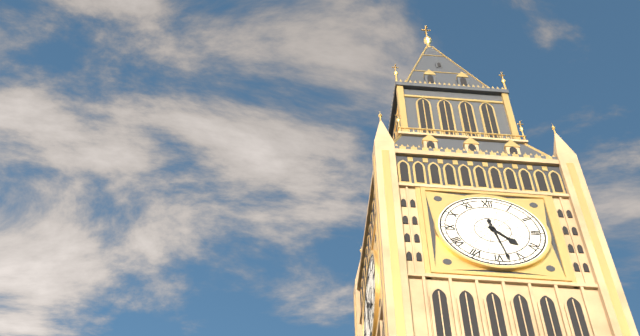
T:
**4:28**
